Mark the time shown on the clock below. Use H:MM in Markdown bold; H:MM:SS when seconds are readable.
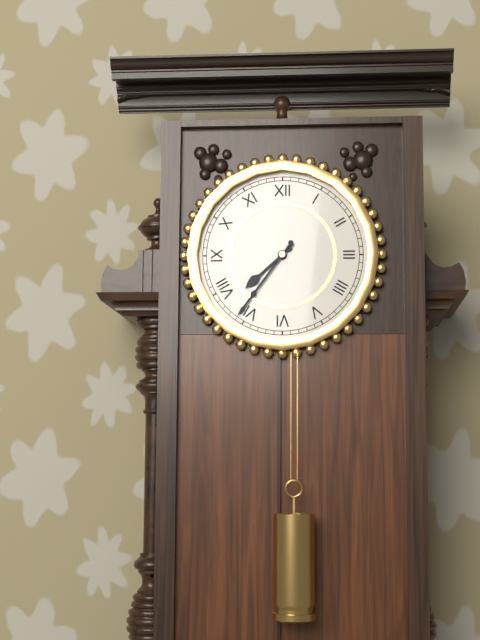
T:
**7:36**
